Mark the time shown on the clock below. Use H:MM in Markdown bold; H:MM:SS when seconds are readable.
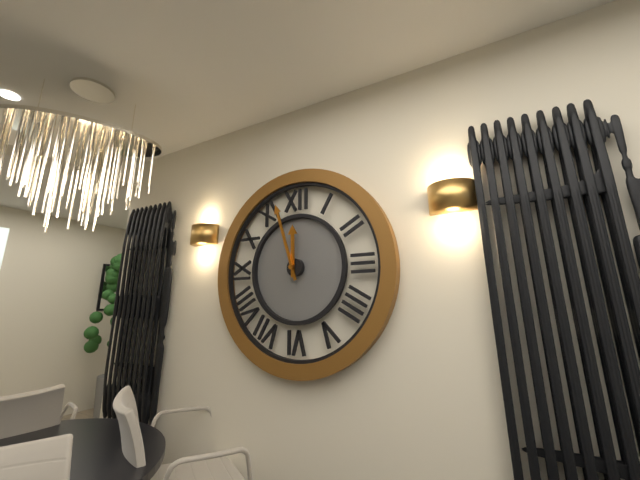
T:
**11:57**
